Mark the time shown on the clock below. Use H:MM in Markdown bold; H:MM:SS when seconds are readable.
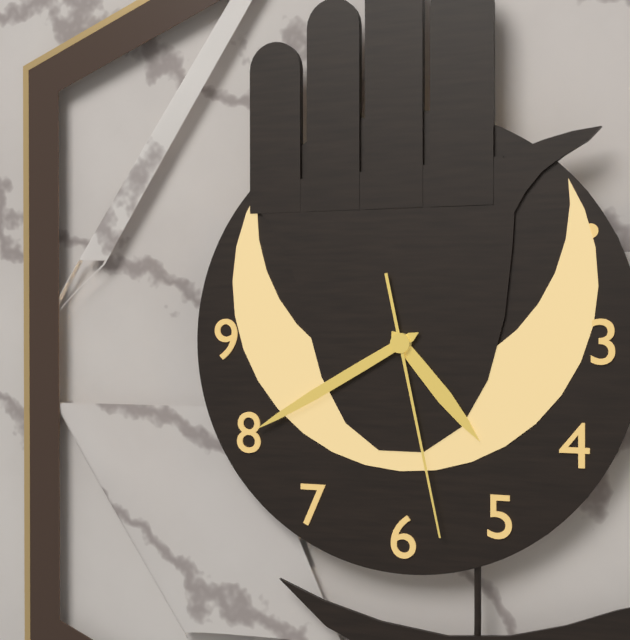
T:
**4:40:28**
